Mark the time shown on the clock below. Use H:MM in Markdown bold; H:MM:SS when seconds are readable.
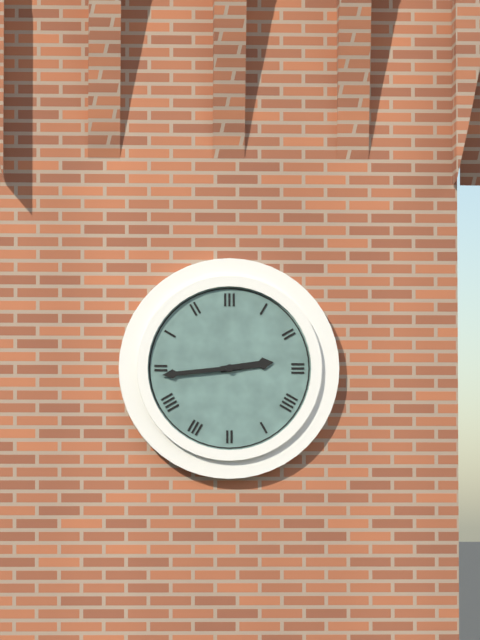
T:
**2:44**
